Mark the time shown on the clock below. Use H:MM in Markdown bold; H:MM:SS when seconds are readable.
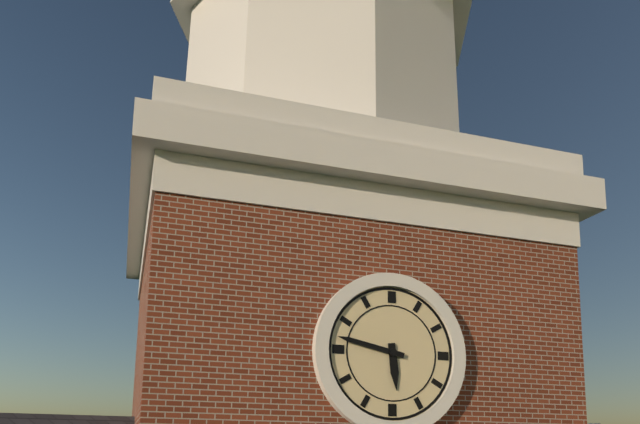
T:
**5:47**
